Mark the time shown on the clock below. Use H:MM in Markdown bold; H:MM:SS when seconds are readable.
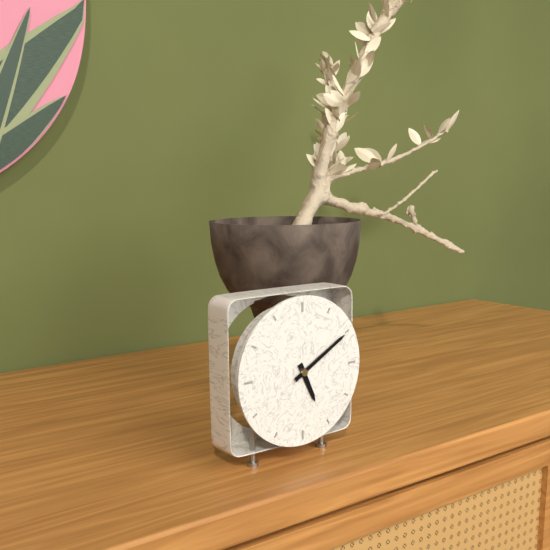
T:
**5:10**
